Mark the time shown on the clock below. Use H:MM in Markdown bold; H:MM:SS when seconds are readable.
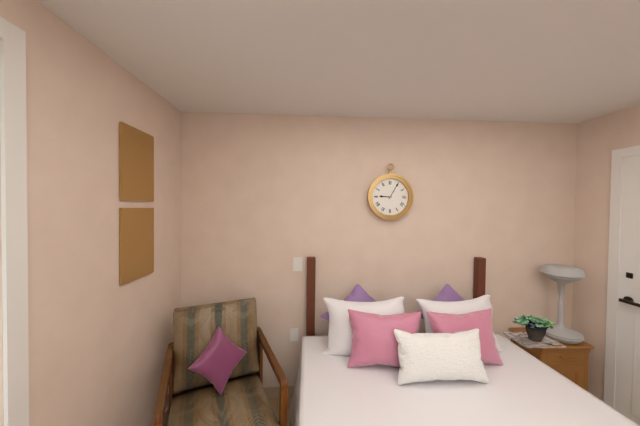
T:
**9:05**
